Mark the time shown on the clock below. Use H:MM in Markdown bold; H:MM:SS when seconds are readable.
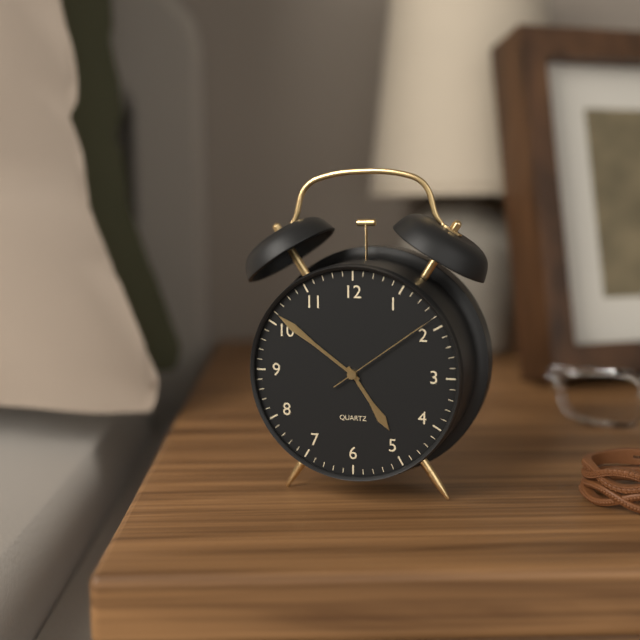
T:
**4:51:09**
